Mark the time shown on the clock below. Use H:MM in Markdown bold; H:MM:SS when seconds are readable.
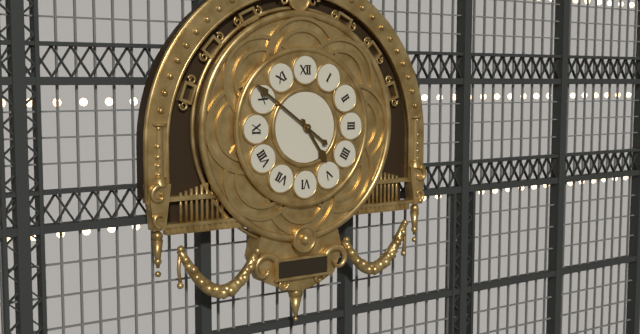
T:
**4:51**
